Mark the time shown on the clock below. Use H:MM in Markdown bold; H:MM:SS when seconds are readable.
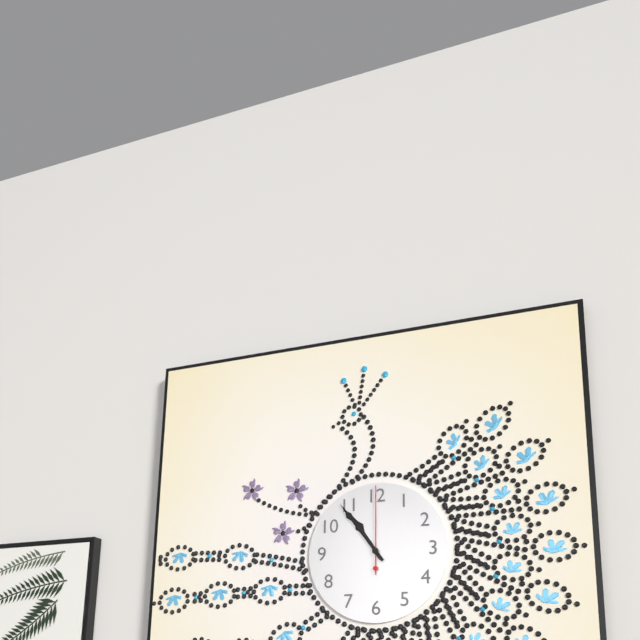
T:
**10:54:00**
